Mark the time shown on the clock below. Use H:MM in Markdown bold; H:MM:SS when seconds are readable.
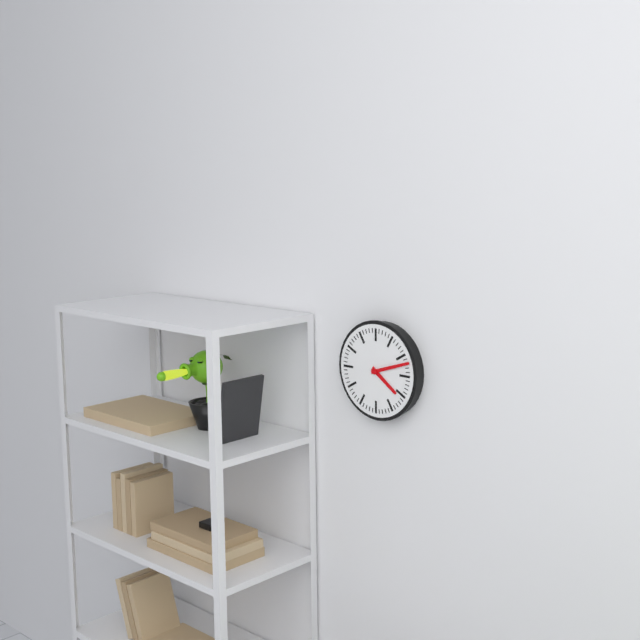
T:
**4:12**
